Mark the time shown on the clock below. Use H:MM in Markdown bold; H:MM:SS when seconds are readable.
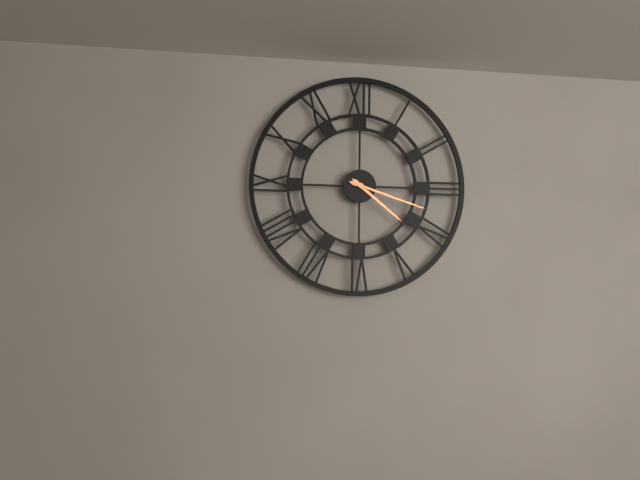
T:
**4:18**
